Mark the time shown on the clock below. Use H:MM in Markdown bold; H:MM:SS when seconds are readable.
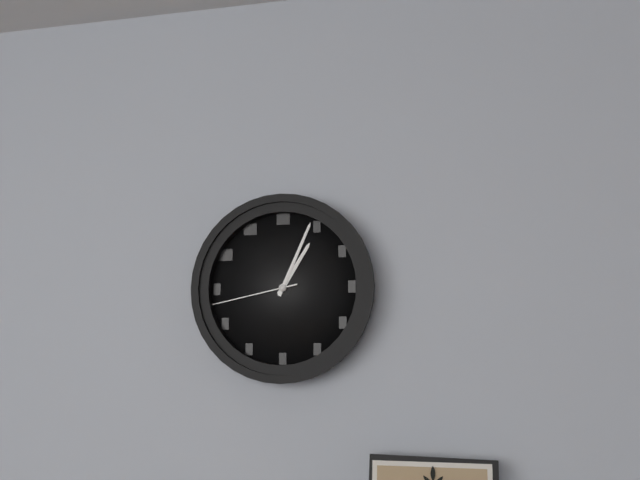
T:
**1:04:43**
